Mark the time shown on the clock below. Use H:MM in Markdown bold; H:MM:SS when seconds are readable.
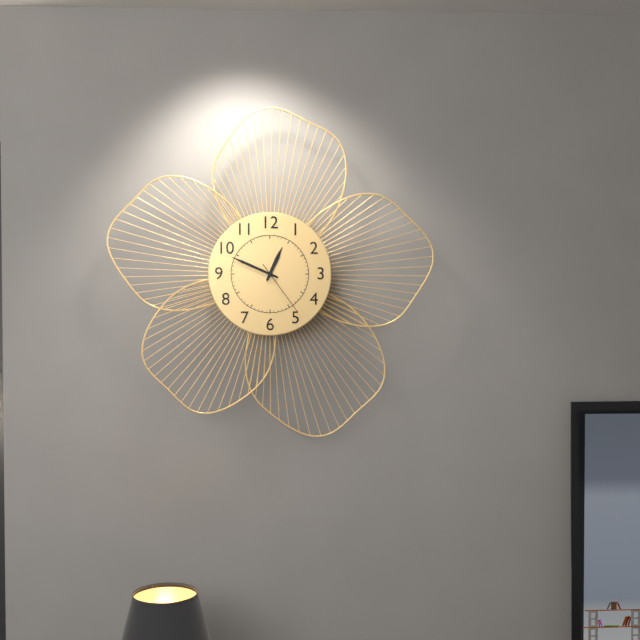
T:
**12:49:24**
